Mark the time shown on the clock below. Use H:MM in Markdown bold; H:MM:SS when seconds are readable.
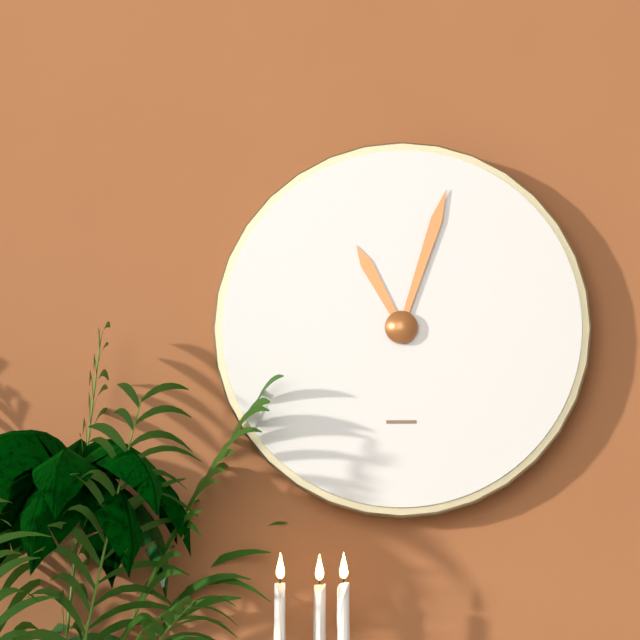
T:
**11:03**
